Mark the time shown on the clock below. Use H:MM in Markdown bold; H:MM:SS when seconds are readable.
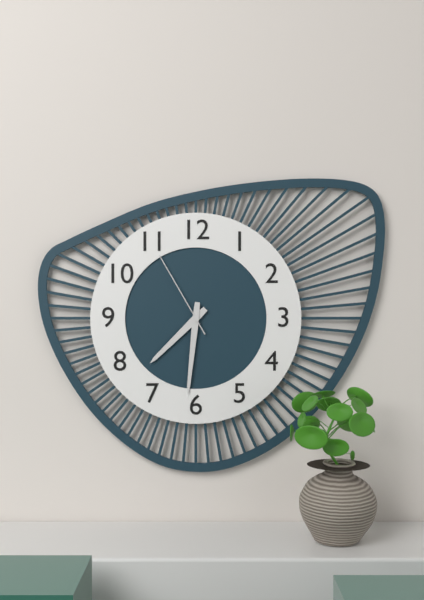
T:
**7:31:55**
